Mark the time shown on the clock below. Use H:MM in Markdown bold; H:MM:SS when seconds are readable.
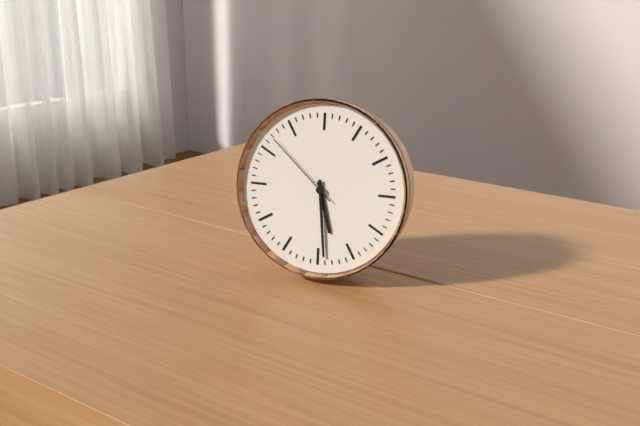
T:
**5:29:52**
